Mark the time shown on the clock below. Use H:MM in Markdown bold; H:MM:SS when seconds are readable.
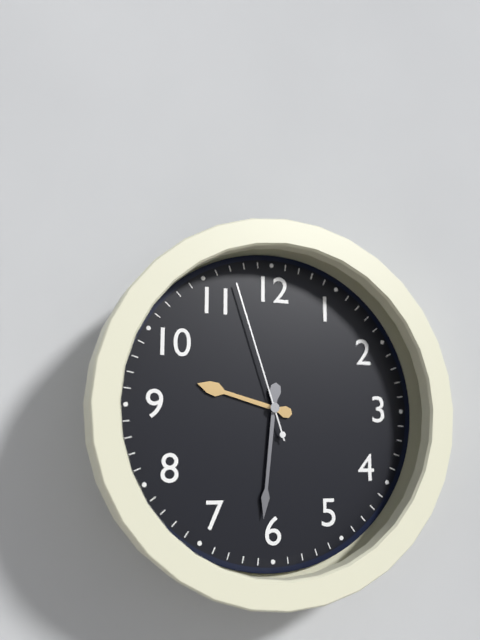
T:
**9:31:57**
